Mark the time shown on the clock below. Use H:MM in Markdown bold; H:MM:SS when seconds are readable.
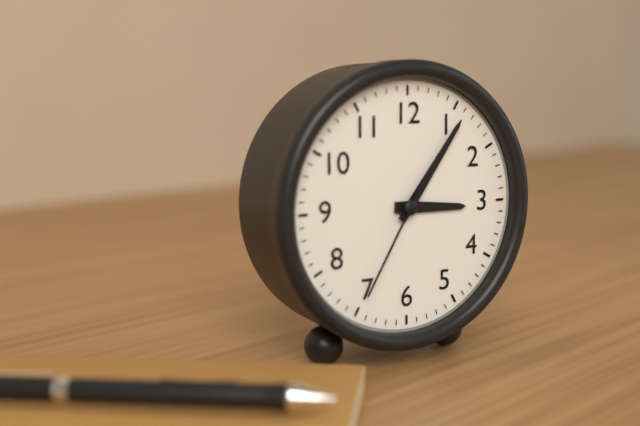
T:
**3:06:35**
